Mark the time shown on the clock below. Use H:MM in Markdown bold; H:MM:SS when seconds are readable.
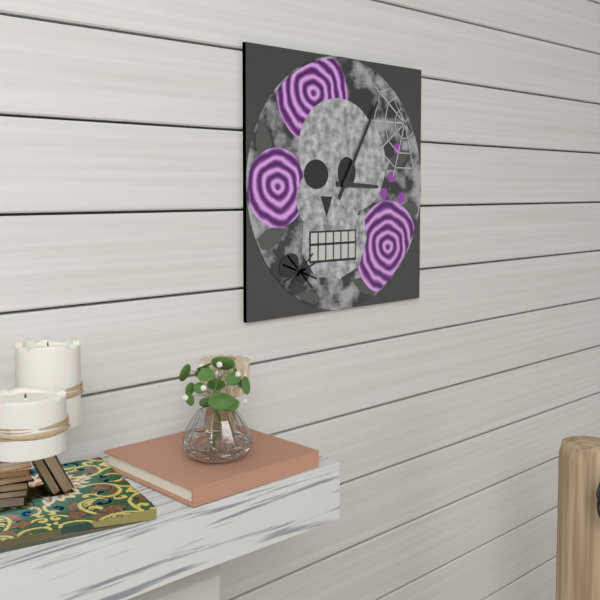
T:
**3:05**
